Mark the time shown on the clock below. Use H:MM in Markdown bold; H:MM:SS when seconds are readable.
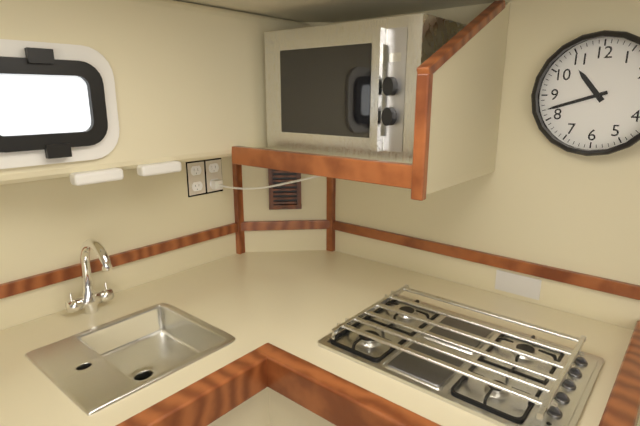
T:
**10:42**
